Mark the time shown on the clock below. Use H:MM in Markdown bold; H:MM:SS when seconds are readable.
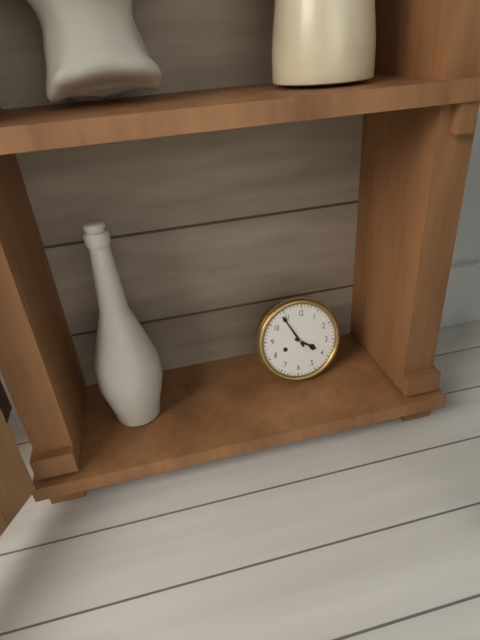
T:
**3:54**
